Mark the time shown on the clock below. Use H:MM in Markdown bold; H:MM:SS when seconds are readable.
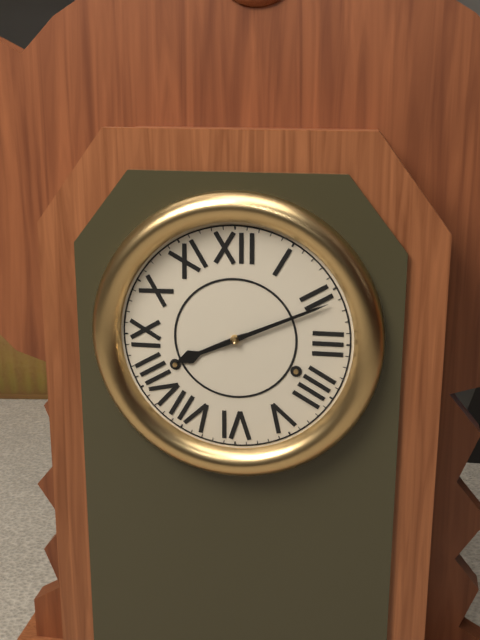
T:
**8:11**
